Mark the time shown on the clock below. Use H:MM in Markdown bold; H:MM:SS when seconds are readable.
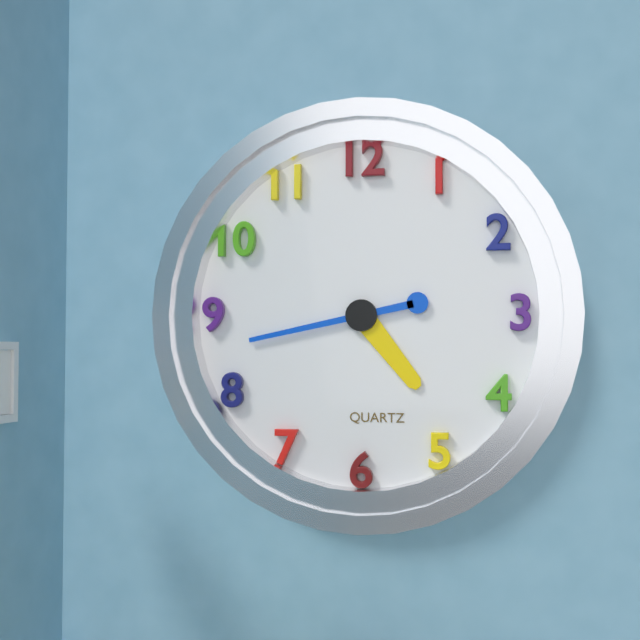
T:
**4:43**
